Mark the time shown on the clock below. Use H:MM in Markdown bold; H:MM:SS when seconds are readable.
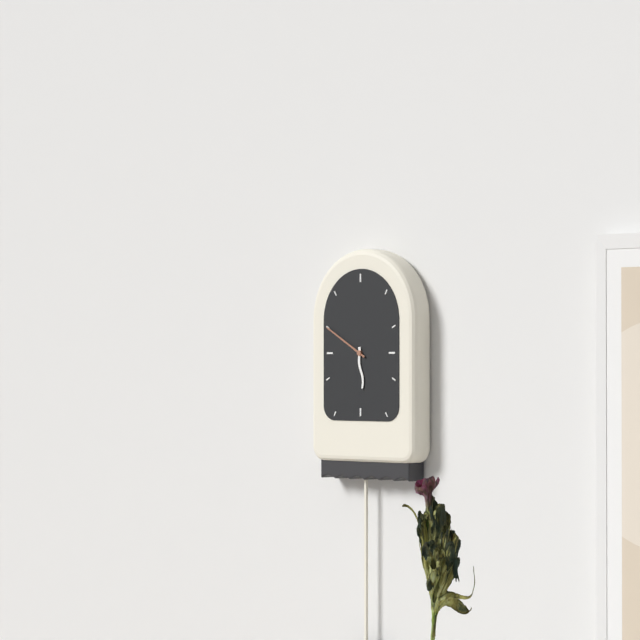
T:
**5:50**
